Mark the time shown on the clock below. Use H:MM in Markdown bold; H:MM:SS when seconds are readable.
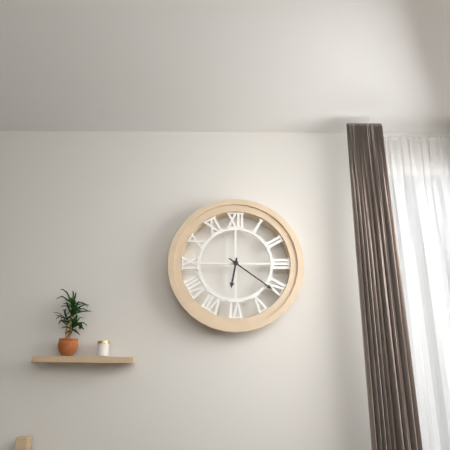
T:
**6:21**
